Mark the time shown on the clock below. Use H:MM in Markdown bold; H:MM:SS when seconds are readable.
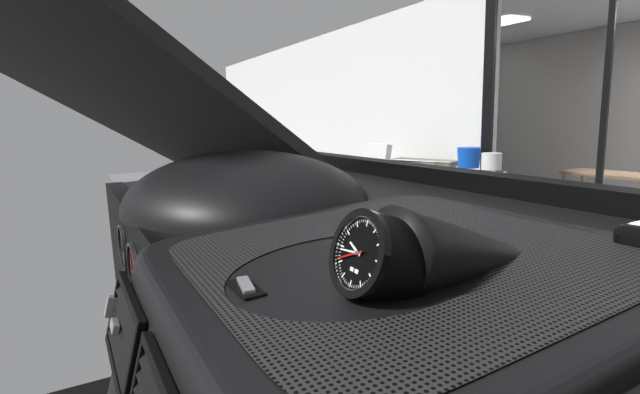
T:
**9:44**
